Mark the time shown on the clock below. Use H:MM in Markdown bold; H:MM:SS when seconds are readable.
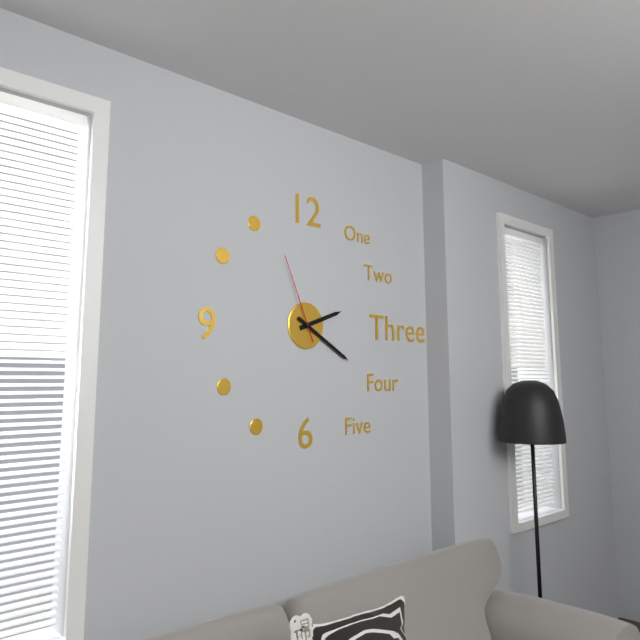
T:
**2:20:56**
